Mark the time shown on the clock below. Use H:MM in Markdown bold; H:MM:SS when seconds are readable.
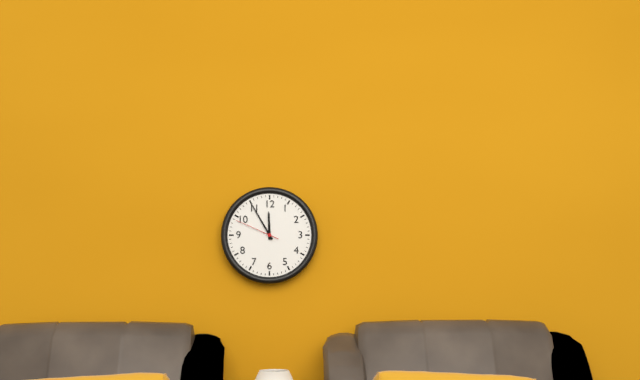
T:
**11:55**
